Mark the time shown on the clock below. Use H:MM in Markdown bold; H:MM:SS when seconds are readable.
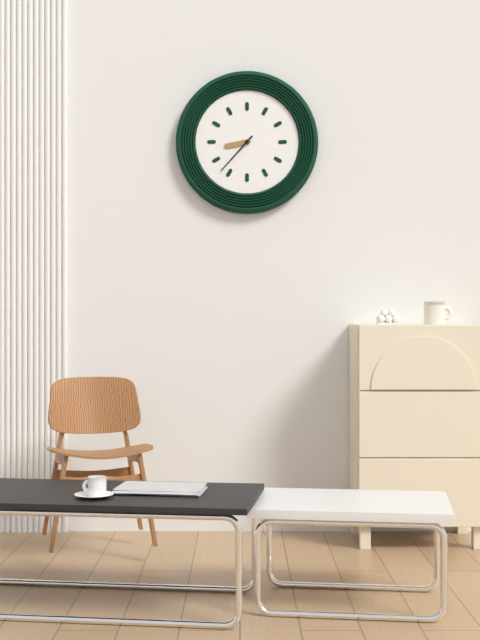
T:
**8:37**
